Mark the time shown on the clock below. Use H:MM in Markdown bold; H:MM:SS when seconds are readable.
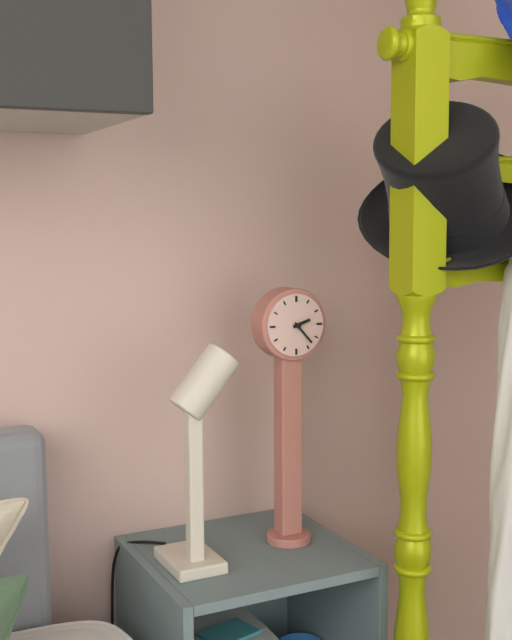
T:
**2:23**
